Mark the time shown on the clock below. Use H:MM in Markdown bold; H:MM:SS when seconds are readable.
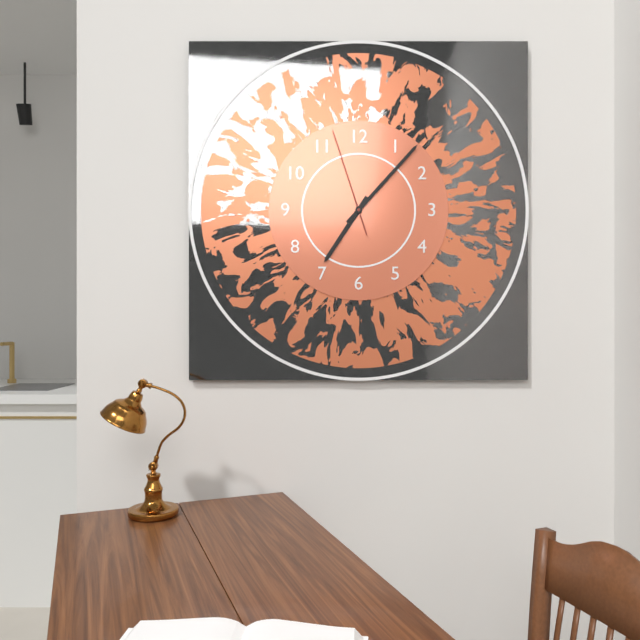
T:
**7:07:57**
